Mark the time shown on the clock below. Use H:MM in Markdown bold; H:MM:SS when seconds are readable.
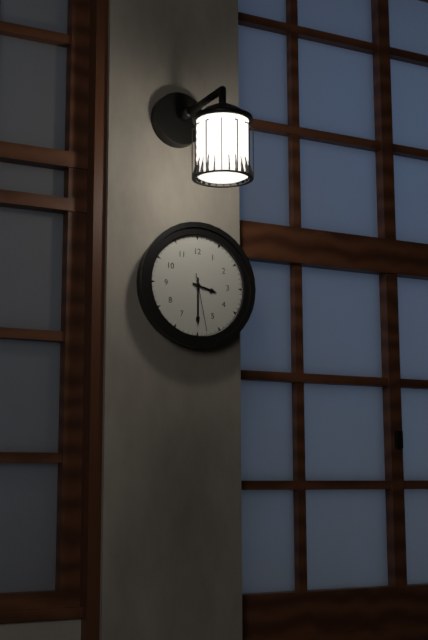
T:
**3:30:28**
